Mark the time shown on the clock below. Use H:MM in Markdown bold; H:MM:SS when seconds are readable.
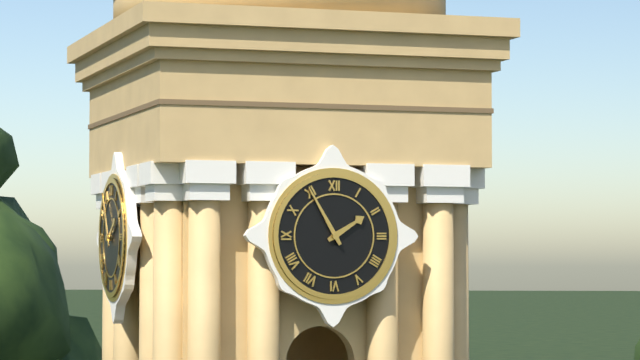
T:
**1:55**
